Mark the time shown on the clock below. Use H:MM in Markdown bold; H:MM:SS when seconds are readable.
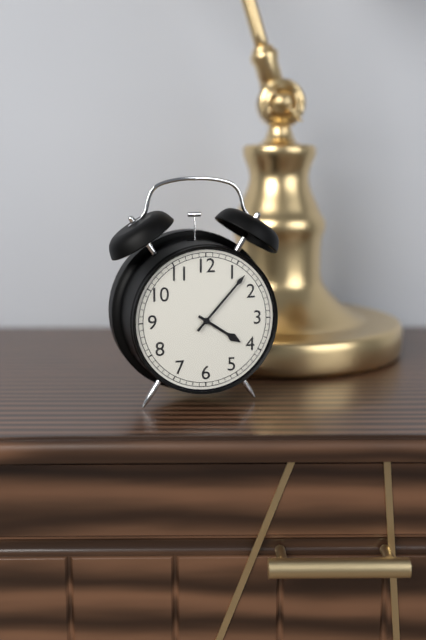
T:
**4:07**
